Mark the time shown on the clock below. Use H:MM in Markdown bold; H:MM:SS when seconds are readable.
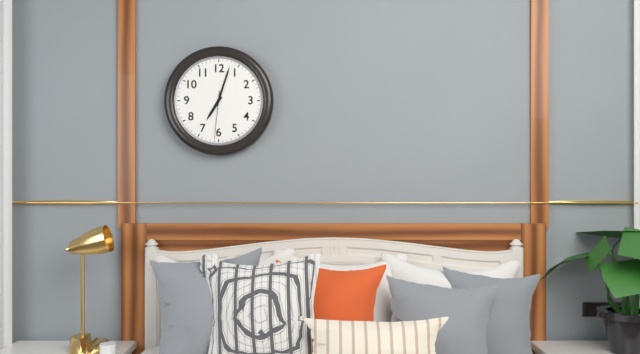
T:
**7:03**
